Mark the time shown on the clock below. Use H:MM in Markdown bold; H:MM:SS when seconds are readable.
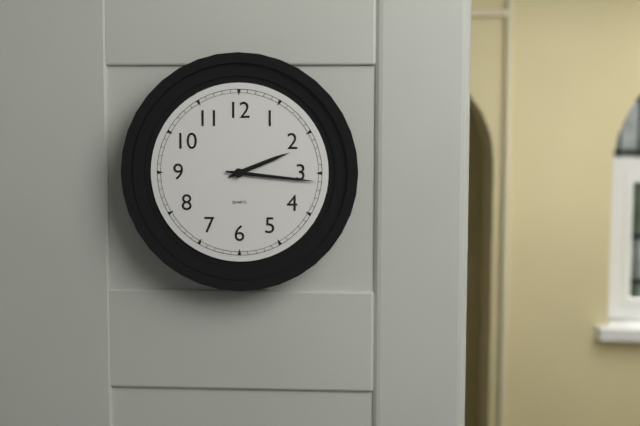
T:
**2:16**
